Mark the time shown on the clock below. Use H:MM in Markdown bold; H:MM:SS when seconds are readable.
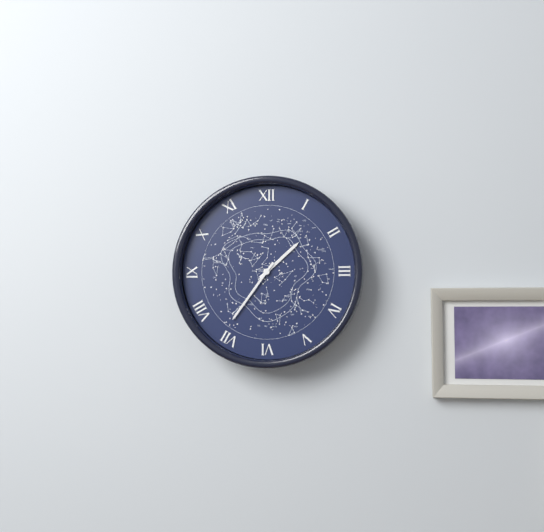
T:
**1:36**
